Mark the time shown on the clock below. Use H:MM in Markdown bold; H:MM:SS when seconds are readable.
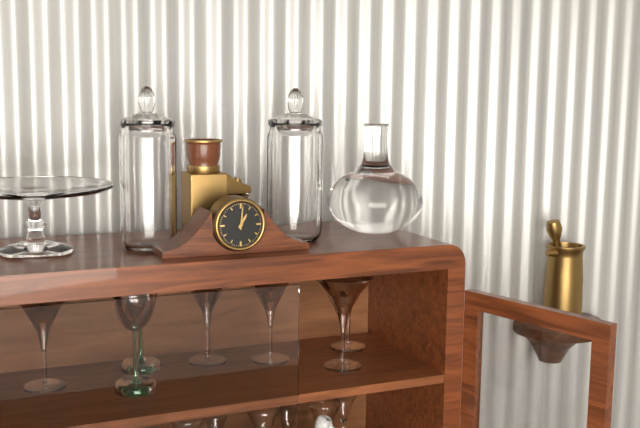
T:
**1:01**
